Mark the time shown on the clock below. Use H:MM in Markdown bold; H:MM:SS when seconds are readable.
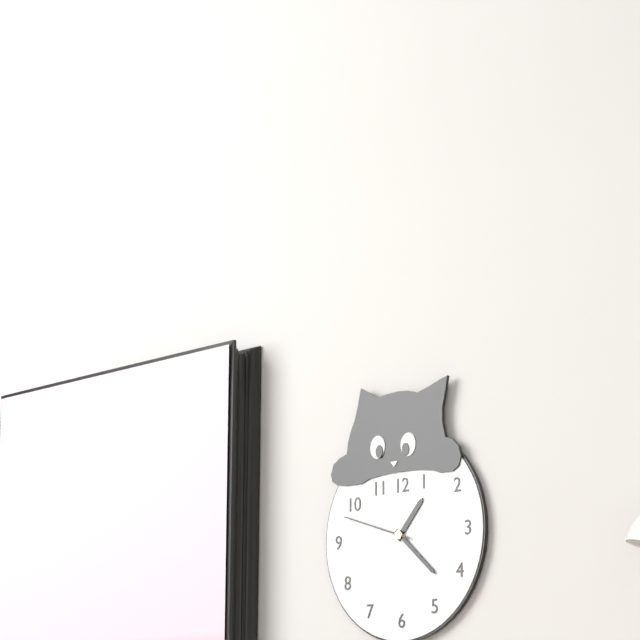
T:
**1:22:48**
